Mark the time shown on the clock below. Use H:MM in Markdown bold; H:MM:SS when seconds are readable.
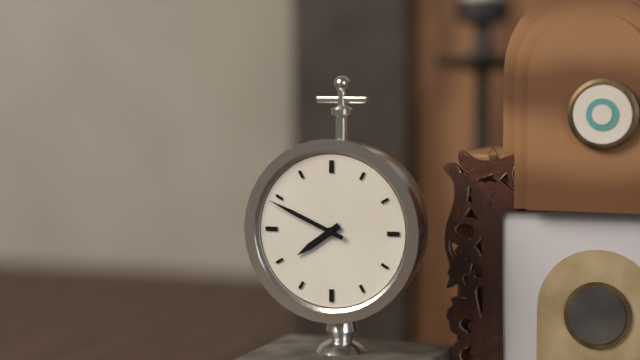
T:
**7:49**
